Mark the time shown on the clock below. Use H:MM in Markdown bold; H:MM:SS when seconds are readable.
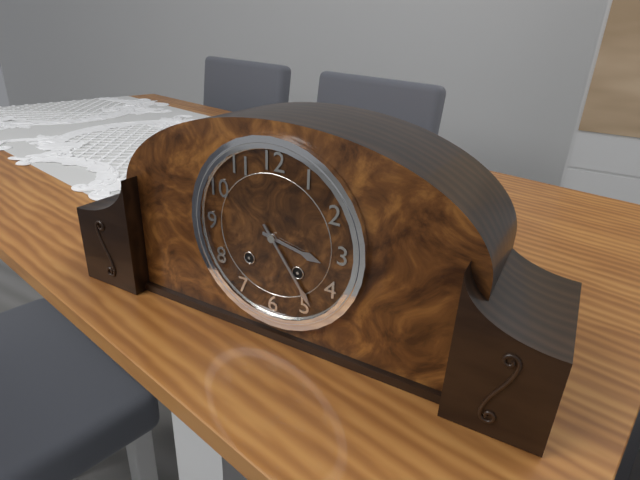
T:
**3:24**
